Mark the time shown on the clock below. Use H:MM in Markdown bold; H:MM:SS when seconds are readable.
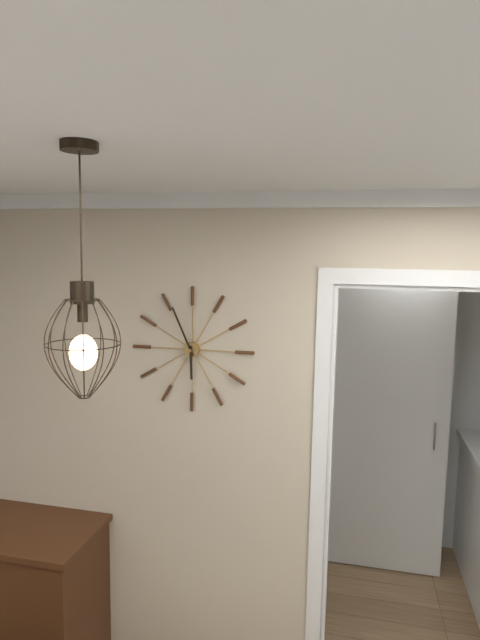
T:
**5:56**
